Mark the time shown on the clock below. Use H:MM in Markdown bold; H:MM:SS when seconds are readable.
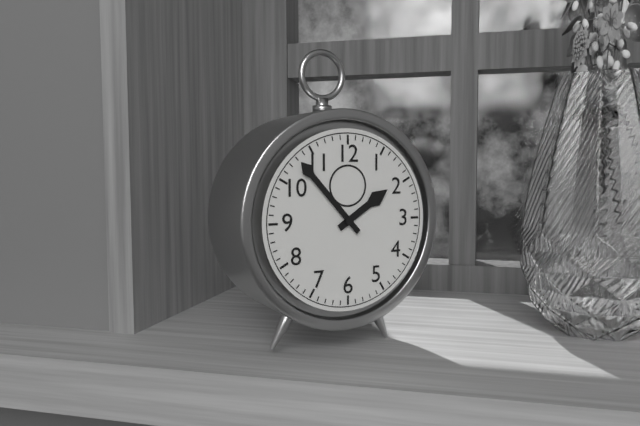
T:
**1:53**
